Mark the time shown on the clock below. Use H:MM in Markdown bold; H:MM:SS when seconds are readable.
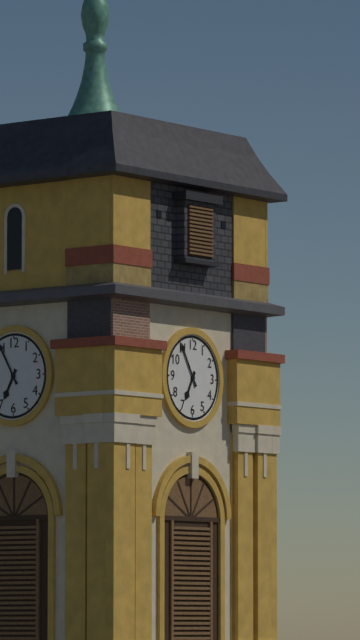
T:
**6:55**
